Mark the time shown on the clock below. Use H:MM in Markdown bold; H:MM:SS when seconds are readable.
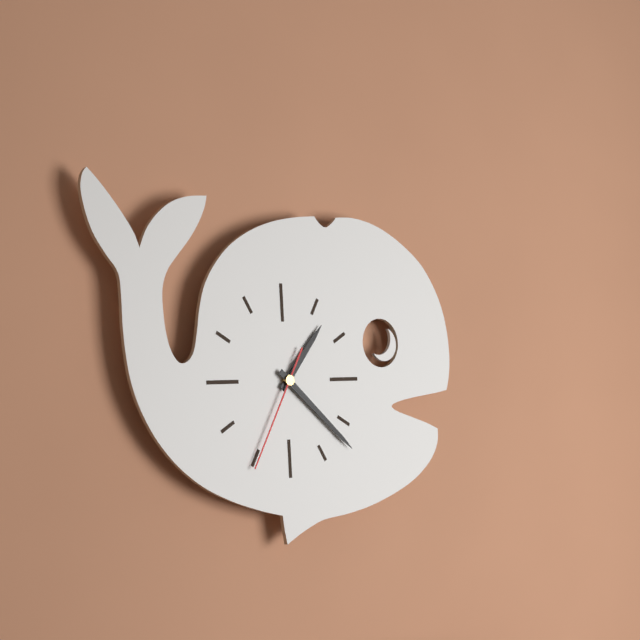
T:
**1:22:35**
